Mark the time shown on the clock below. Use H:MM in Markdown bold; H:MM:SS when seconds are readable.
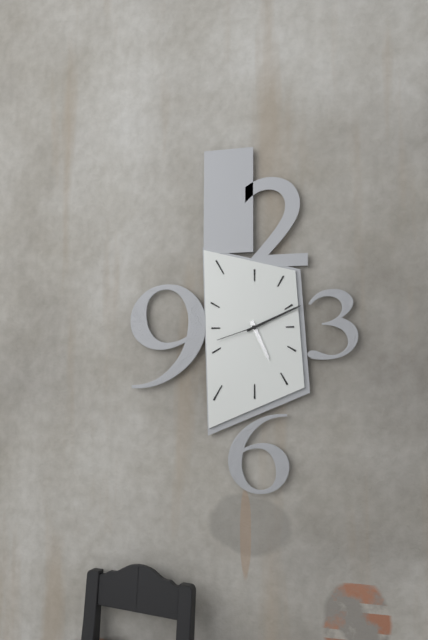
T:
**5:11**
